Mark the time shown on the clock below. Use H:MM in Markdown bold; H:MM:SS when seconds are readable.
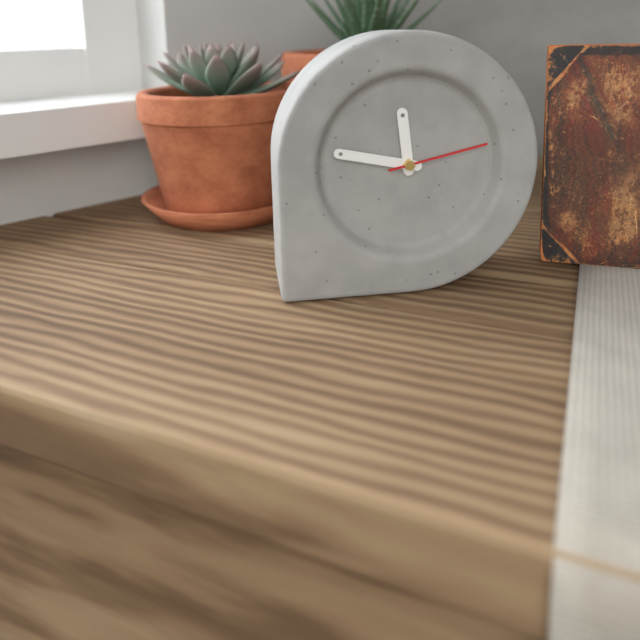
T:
**11:47:13**
